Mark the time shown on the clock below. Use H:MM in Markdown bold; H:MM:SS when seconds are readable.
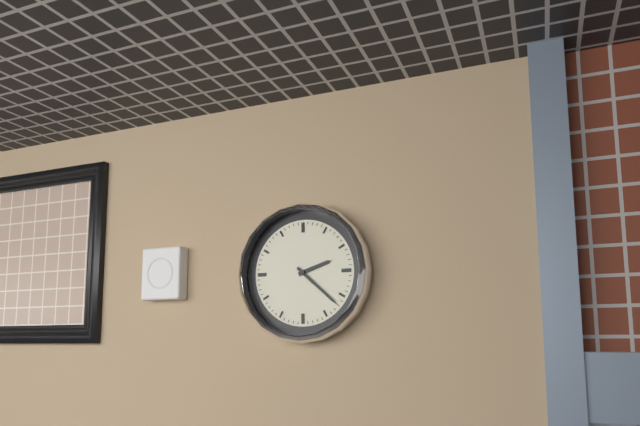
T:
**2:22**
